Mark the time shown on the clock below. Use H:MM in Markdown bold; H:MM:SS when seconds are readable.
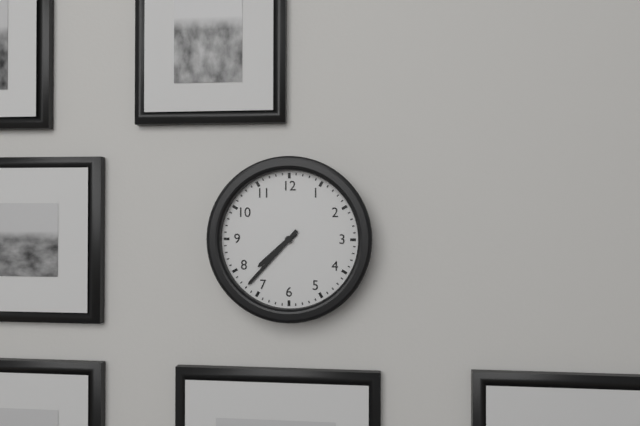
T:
**7:37**
